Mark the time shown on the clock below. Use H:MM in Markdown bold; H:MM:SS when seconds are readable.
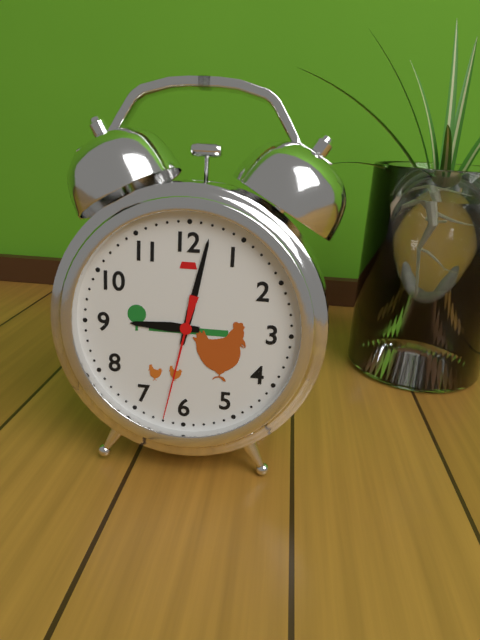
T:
**9:02:32**
